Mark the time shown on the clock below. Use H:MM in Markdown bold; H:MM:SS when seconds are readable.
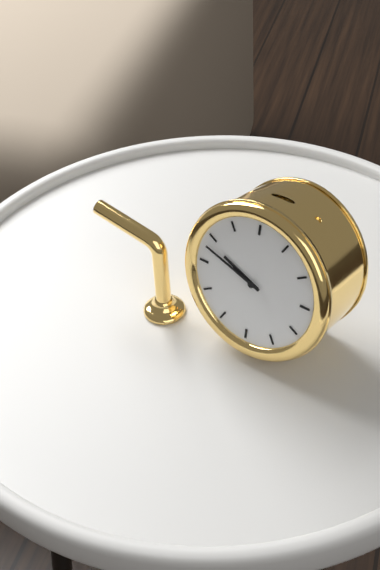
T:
**9:48**
